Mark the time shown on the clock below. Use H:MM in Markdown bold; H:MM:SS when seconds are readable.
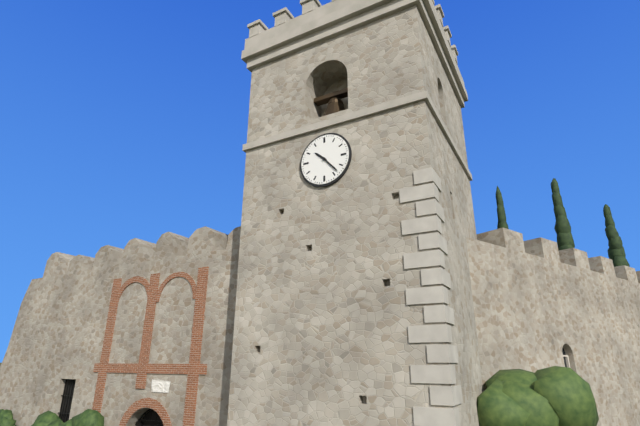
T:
**10:23**
